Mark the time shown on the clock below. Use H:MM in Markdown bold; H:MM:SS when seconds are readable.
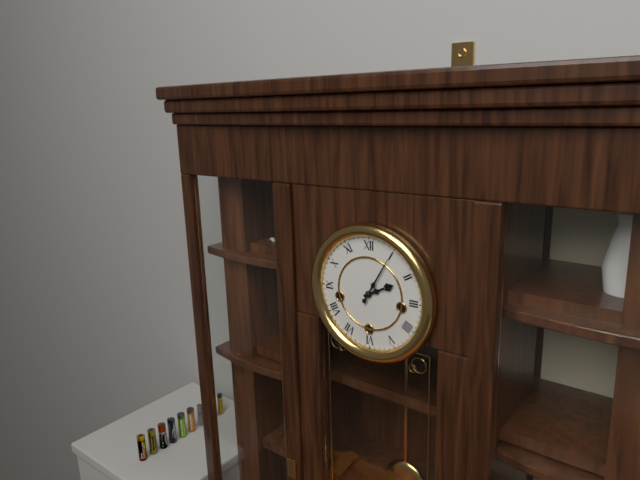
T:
**2:05**
